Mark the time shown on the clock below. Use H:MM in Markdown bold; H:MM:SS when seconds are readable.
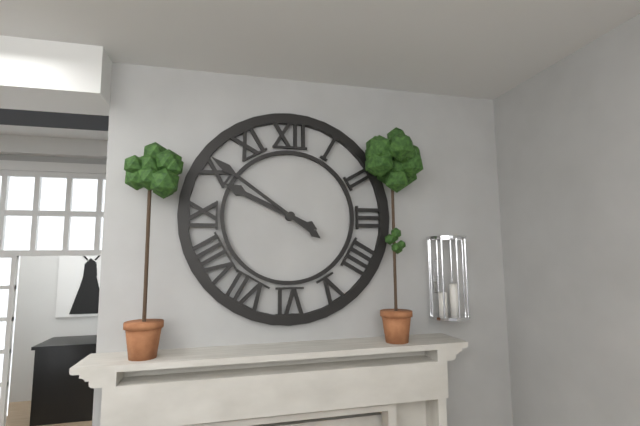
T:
**9:51**
